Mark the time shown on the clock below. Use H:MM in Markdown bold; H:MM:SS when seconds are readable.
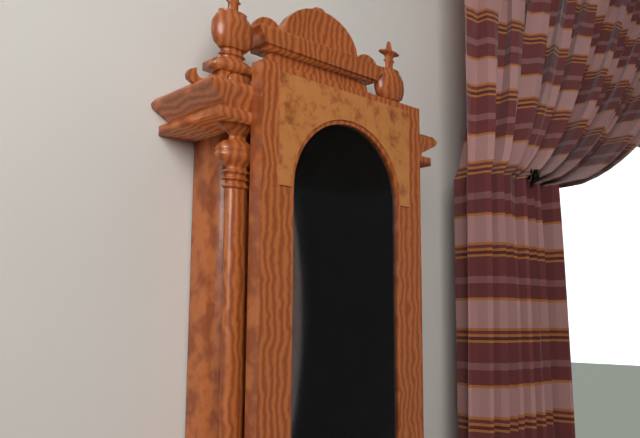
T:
**2:01**
